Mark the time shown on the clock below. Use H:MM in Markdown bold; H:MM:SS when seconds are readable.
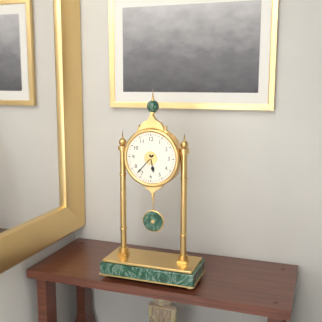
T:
**5:37**
